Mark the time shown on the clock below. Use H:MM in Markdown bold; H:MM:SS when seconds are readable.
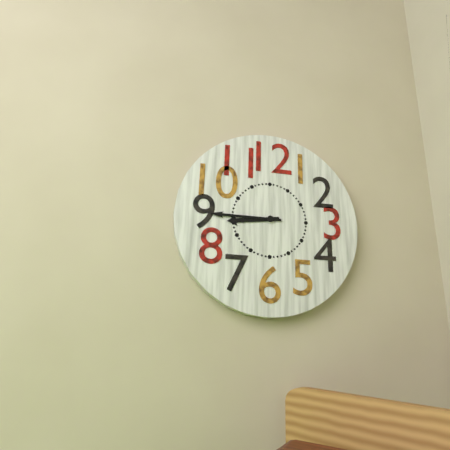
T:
**8:45**
